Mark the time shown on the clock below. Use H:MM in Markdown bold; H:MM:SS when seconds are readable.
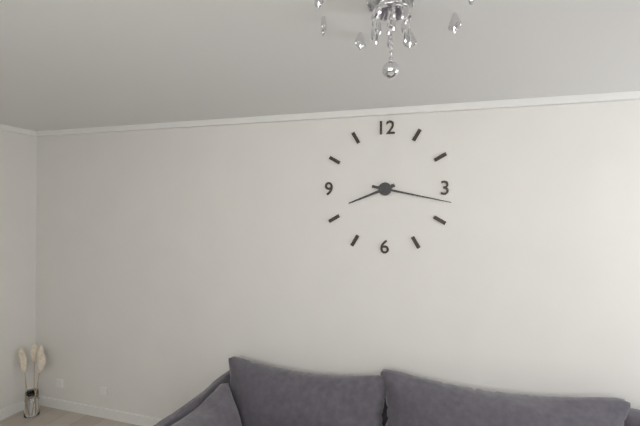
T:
**8:17**
